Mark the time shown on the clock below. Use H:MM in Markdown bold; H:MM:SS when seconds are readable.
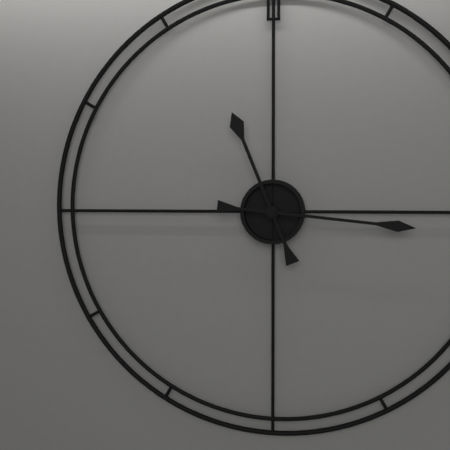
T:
**11:16**
